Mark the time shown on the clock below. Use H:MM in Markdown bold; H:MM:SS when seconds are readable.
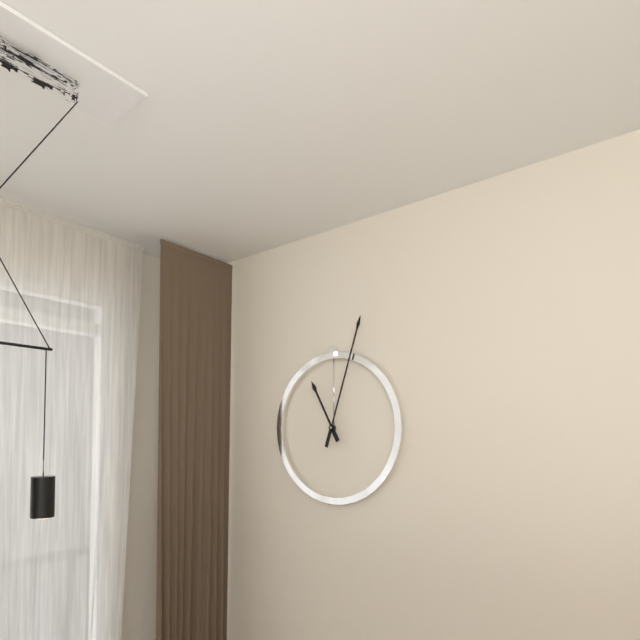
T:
**11:03**
